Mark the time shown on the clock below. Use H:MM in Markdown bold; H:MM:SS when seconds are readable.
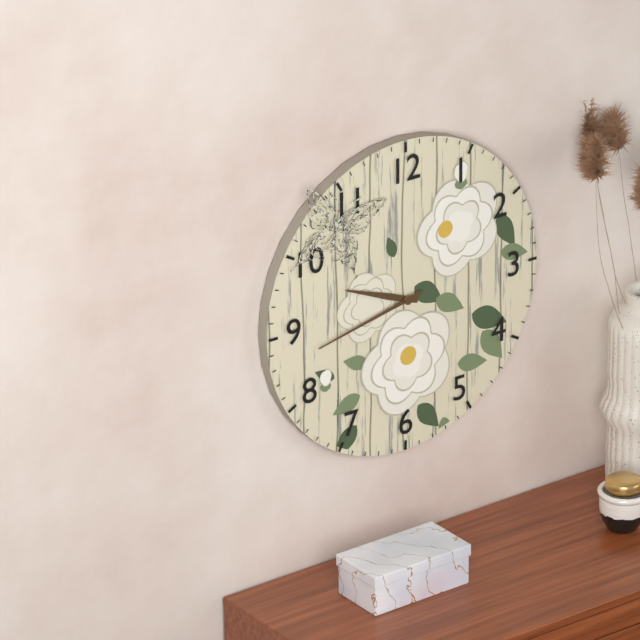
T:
**9:43**
